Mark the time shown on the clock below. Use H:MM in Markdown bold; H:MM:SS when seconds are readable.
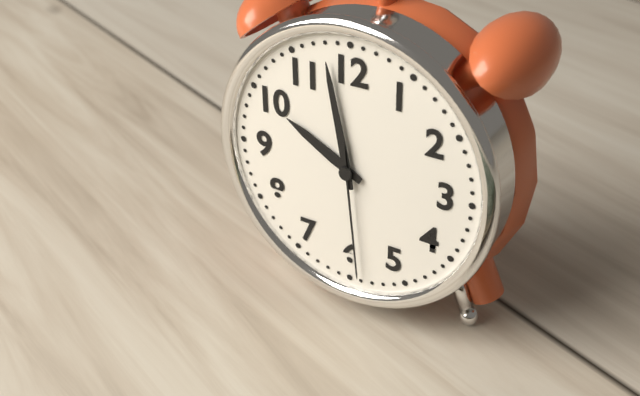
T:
**9:58:29**
